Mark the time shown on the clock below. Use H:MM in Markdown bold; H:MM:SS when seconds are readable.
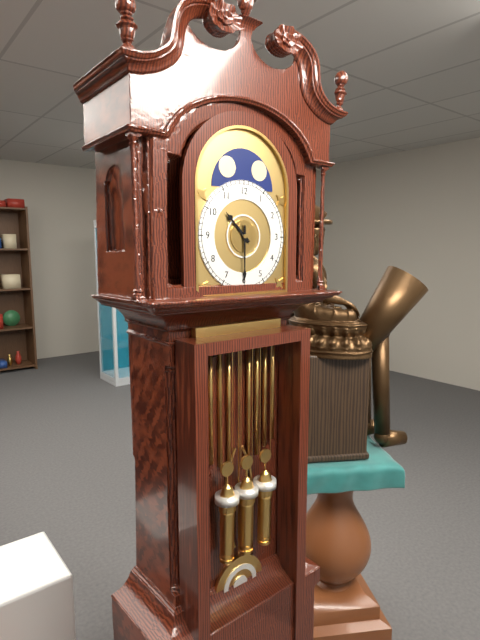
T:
**10:30**
